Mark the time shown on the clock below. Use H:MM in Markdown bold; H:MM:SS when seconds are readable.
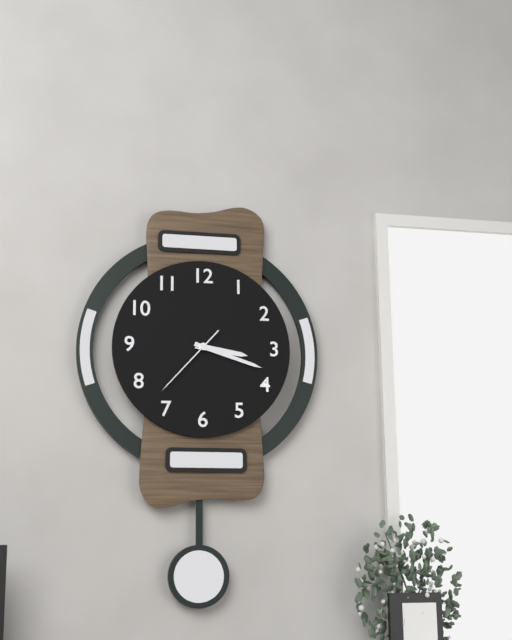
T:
**3:18:37**
